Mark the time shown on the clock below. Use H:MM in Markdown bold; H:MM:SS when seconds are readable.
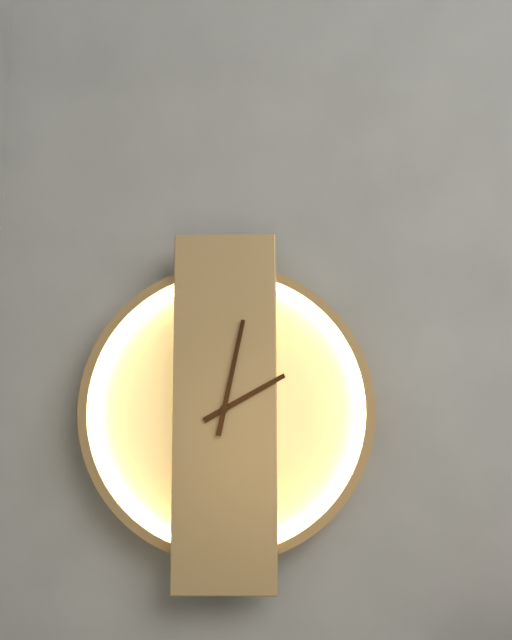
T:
**2:02**
